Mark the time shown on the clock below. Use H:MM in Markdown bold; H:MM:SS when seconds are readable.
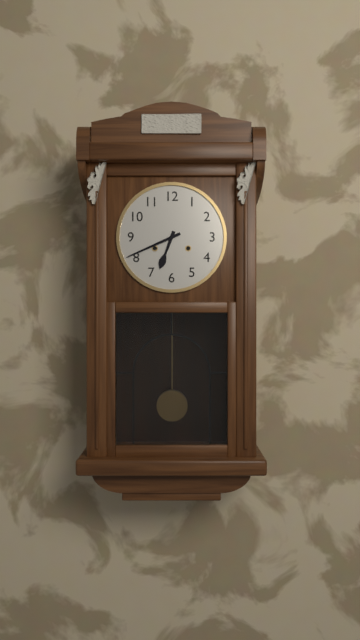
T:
**6:41**
